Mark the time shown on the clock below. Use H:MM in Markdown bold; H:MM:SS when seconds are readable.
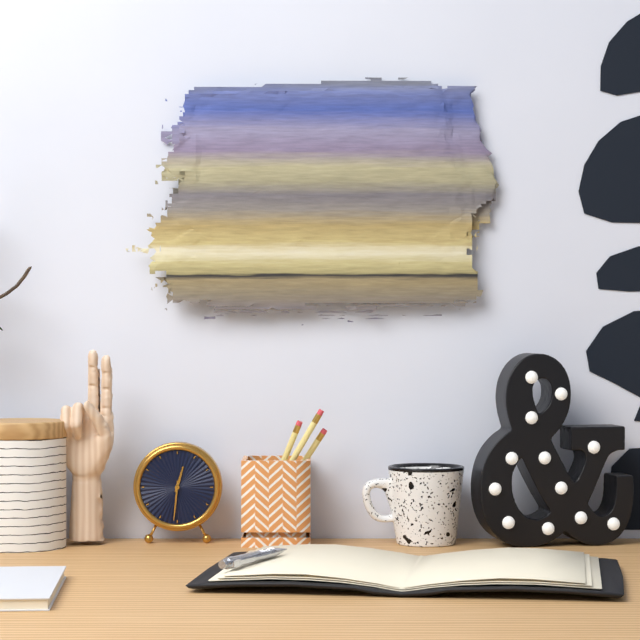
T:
**12:31**
